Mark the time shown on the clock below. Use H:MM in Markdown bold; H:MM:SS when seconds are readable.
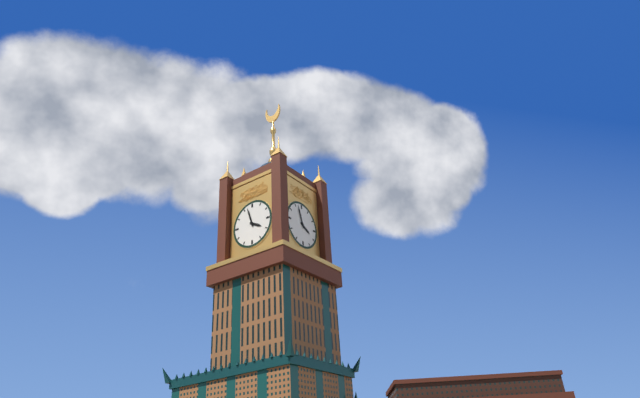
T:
**3:57**
